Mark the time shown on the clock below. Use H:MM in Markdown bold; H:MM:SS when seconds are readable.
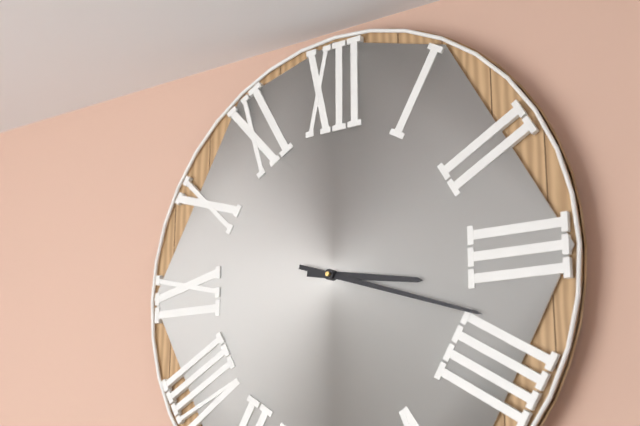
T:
**3:18**
